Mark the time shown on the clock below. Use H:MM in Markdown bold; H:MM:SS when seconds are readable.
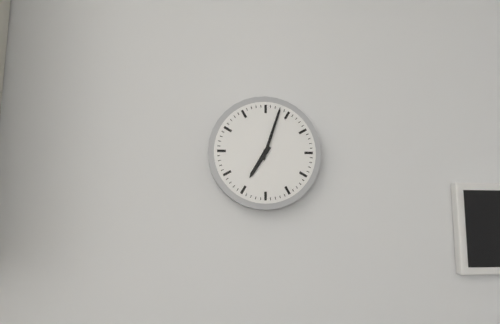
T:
**7:03**
